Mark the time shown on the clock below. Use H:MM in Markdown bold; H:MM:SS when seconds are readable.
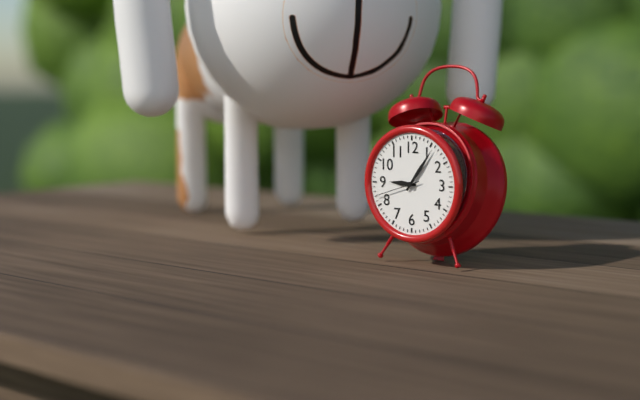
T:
**9:06**
